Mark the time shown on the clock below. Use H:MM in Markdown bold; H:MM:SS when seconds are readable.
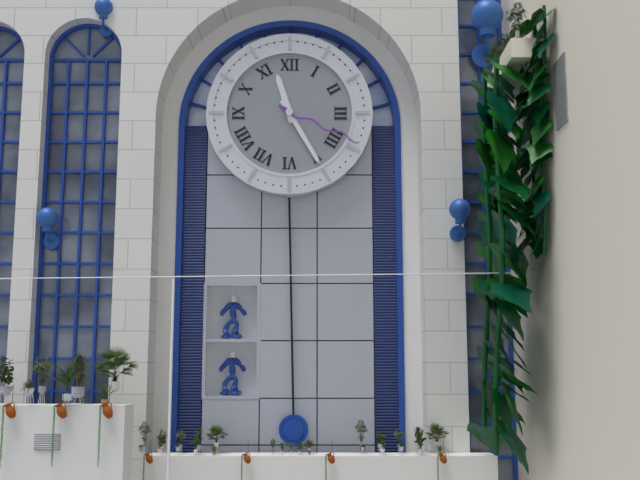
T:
**11:25:19**
